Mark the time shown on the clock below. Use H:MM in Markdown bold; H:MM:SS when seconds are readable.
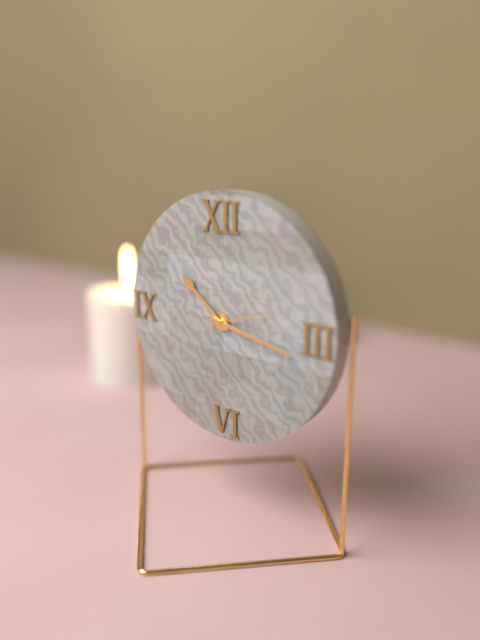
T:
**10:17**
